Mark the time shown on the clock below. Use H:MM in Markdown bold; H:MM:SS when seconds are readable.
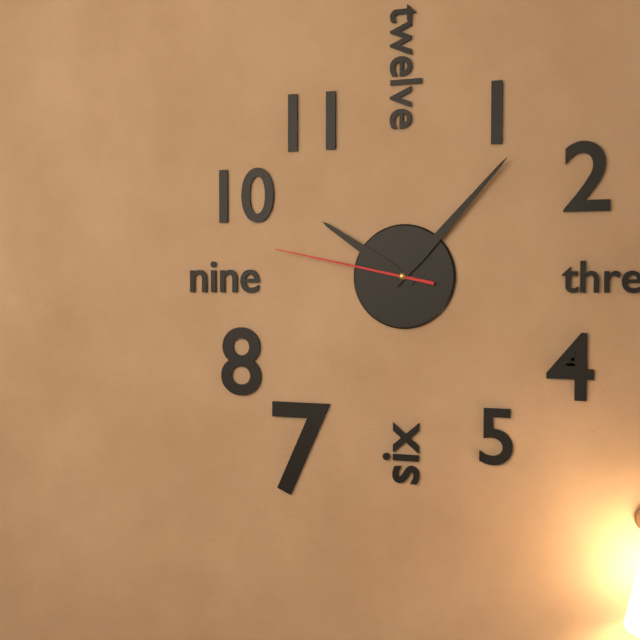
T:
**10:07:47**
